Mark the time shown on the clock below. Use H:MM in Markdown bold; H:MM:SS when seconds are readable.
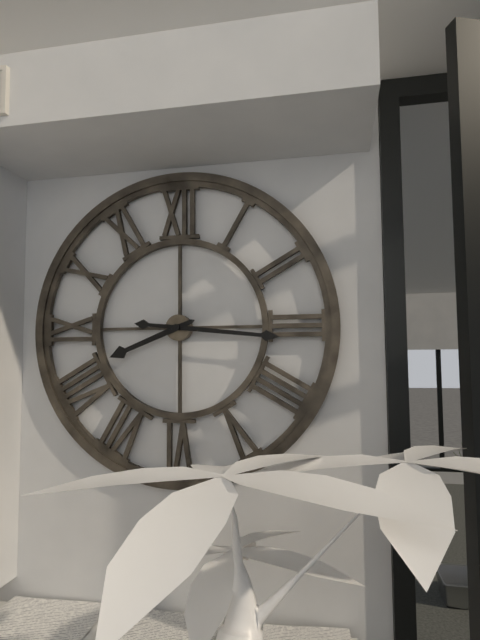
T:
**8:16**
